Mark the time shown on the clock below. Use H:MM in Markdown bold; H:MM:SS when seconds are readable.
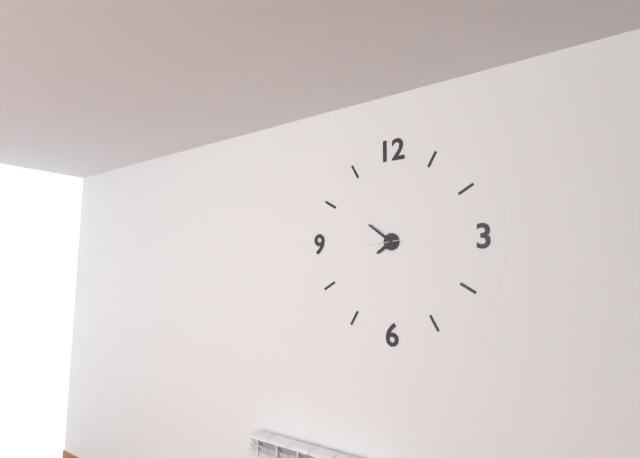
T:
**7:51**
